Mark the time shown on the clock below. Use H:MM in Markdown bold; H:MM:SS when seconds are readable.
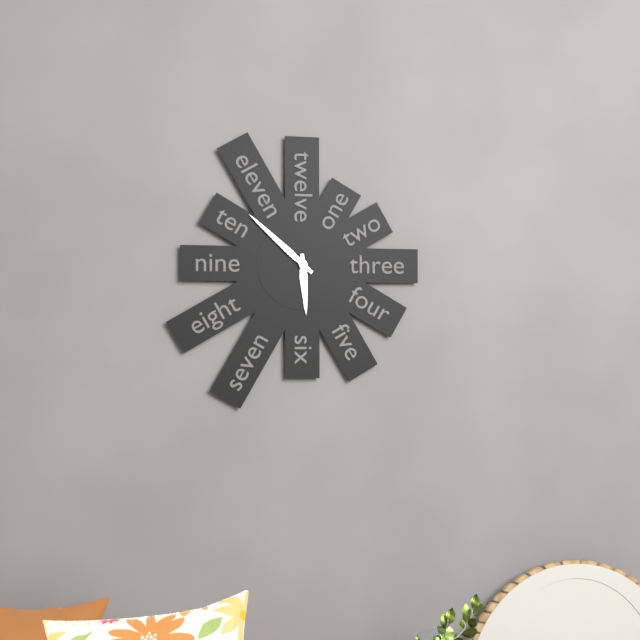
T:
**5:52**
